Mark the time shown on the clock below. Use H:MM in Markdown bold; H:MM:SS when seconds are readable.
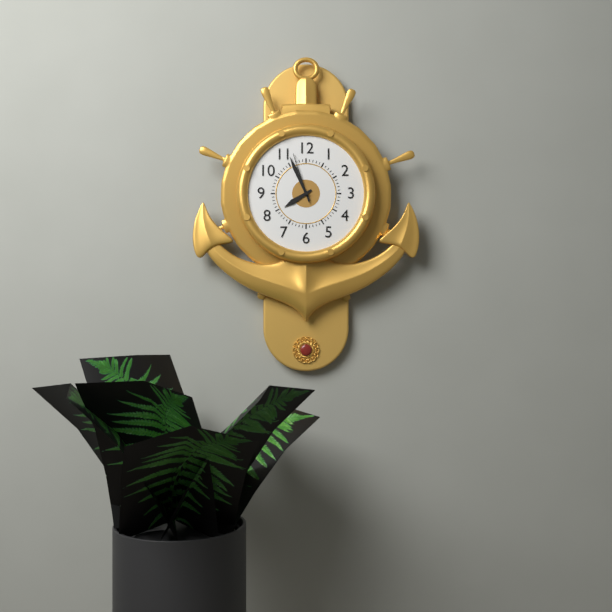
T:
**7:56:57**
